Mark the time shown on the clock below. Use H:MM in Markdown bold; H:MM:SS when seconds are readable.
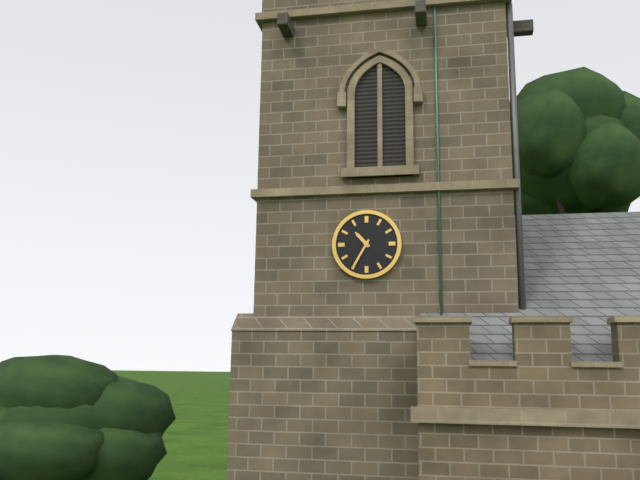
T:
**10:35**
